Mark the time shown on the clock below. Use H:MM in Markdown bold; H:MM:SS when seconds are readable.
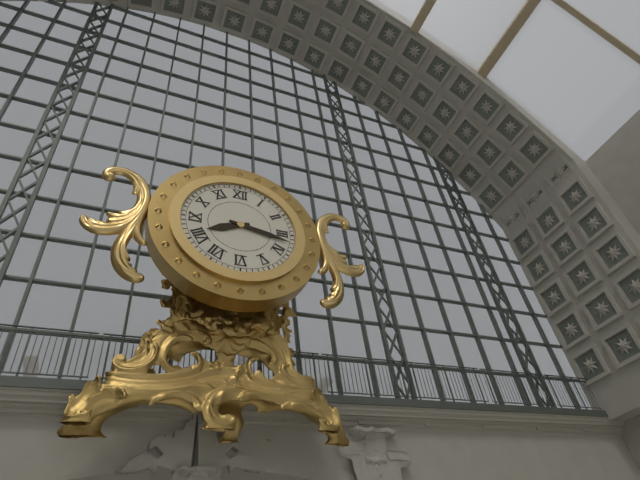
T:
**8:17**
